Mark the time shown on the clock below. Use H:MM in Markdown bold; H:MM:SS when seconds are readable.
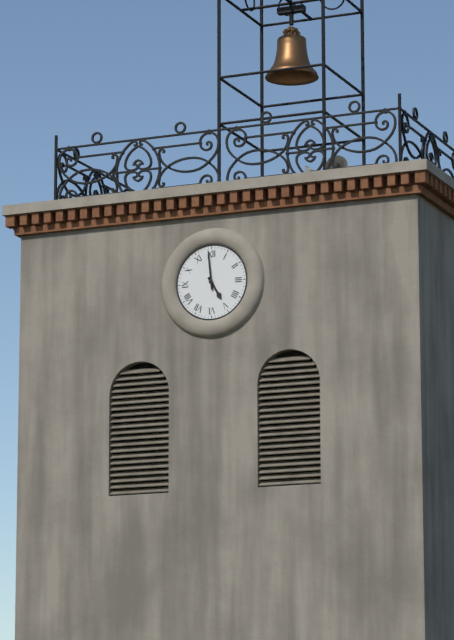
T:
**4:59**
